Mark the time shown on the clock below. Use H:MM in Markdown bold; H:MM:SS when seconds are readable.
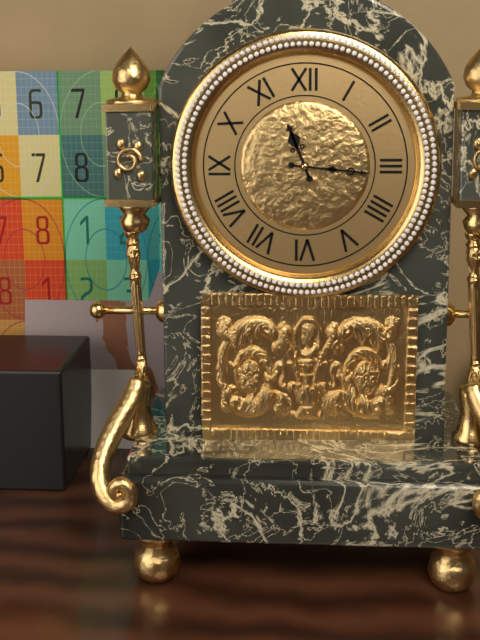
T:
**11:16**
